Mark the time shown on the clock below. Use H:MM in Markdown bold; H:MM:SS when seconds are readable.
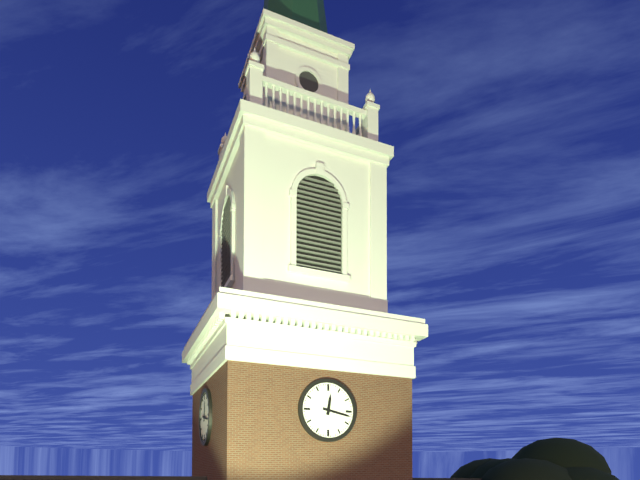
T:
**12:17**
